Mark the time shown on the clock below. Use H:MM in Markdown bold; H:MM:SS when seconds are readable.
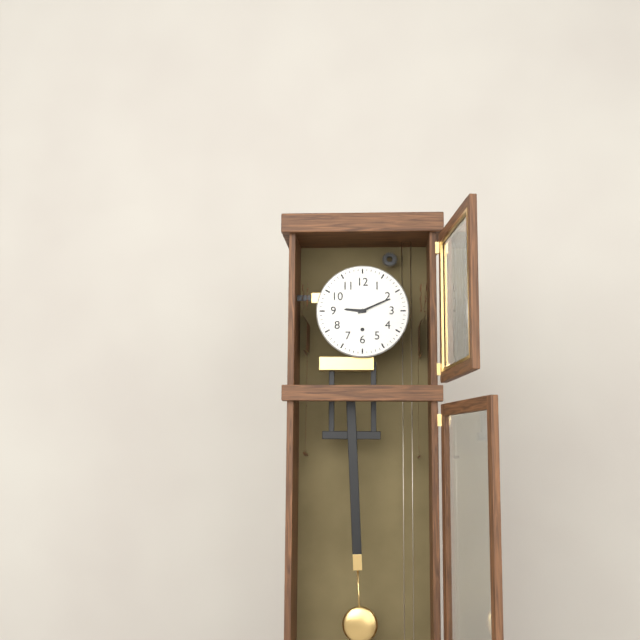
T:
**9:11**
